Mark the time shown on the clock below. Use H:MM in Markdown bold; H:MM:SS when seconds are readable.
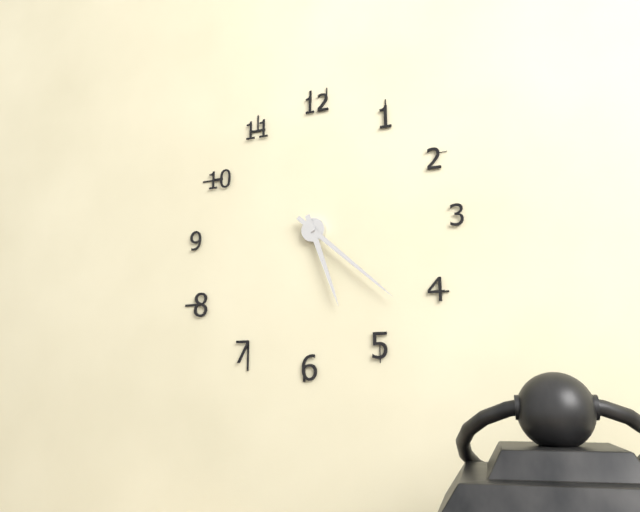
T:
**5:22**
